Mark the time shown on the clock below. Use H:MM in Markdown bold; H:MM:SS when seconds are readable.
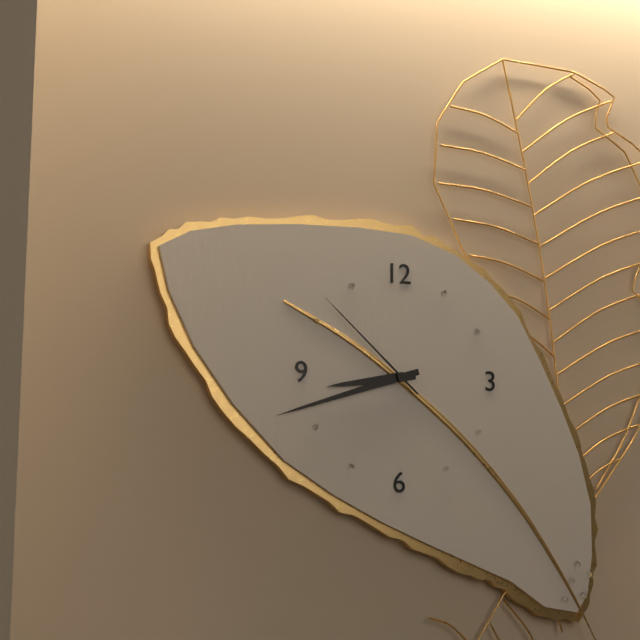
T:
**8:42:52**
